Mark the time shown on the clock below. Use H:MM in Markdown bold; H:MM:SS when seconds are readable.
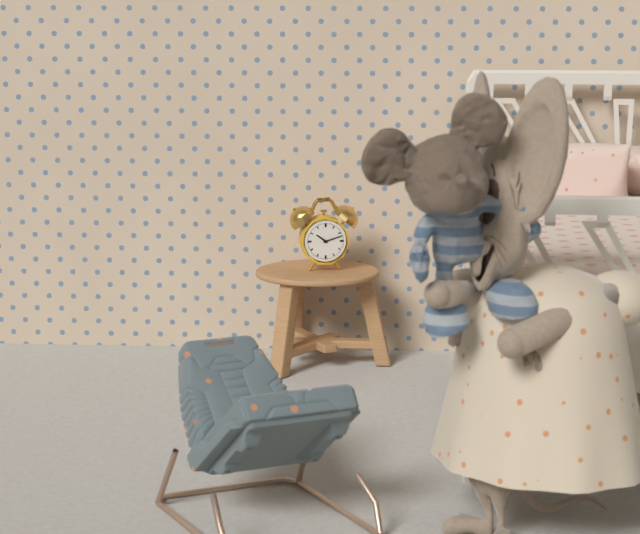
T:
**10:12**
